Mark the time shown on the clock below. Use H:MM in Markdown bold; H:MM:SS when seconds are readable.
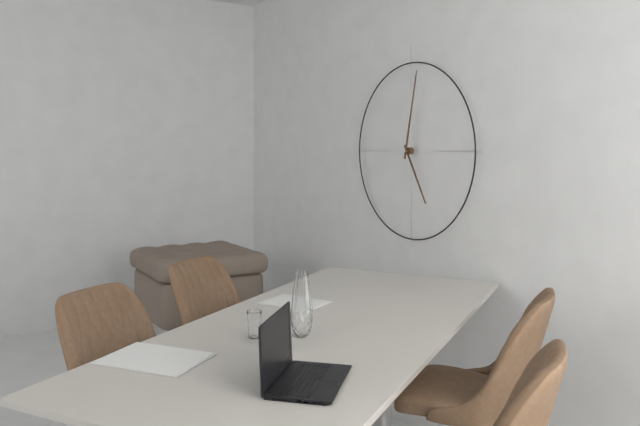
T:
**5:02**
